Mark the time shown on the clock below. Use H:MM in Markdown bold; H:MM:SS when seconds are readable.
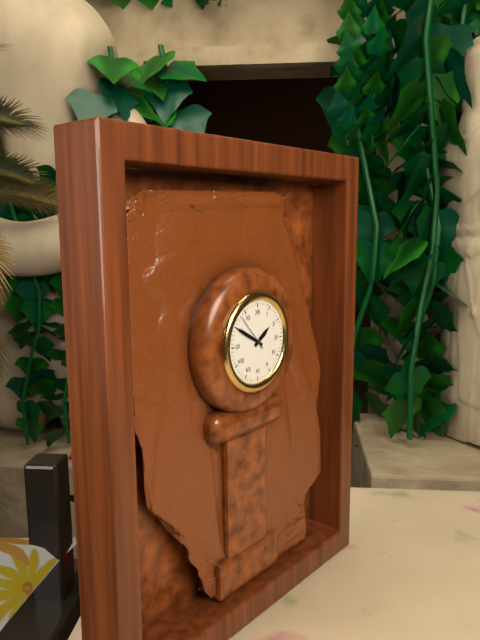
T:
**1:50**
